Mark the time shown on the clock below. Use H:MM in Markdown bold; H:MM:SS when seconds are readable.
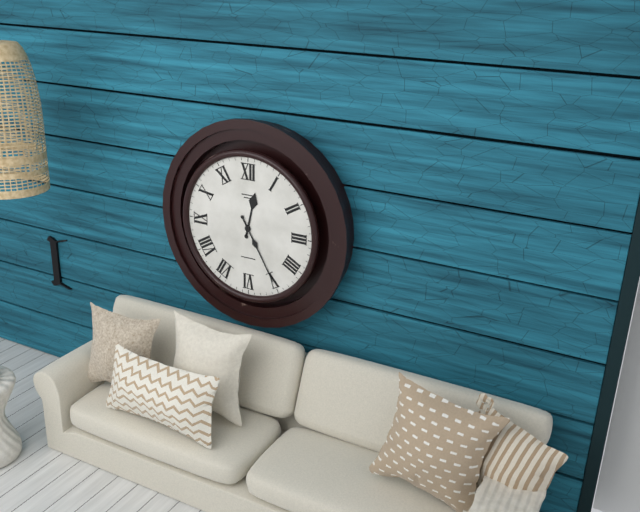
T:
**12:25**
